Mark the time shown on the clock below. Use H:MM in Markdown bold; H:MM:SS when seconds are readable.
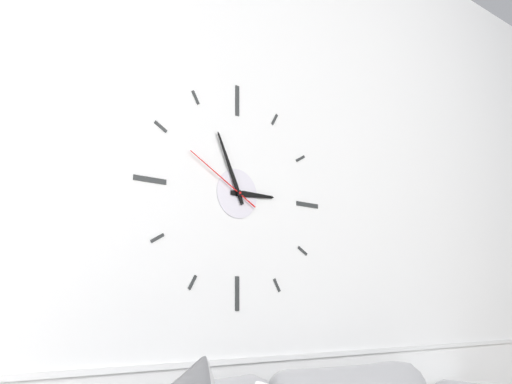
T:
**2:56:50**
